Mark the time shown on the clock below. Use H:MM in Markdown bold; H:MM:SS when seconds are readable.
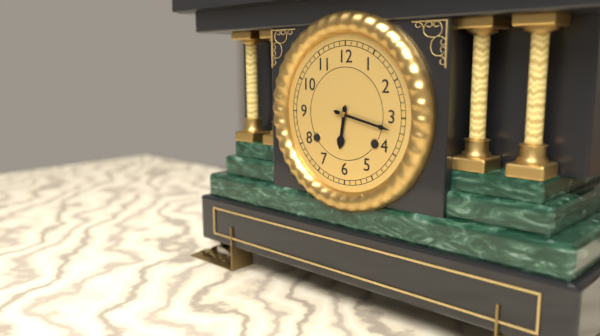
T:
**6:17**
